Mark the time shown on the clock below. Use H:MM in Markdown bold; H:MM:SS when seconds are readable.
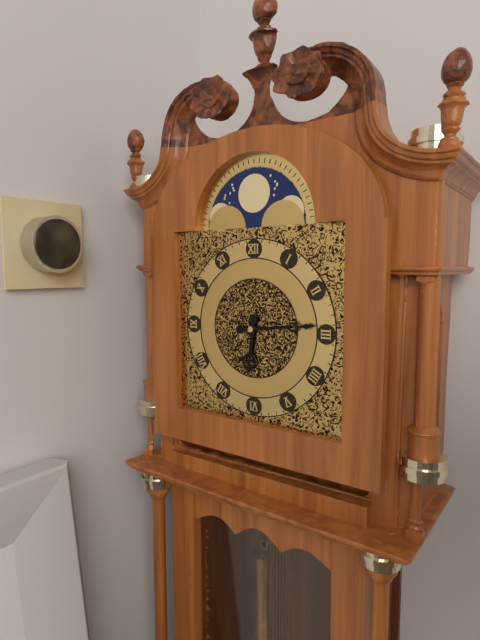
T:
**6:14**
